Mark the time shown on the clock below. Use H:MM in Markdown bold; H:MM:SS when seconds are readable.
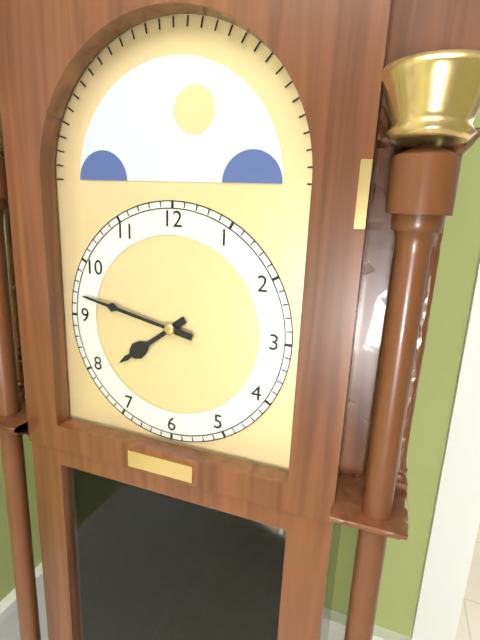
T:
**7:47**
